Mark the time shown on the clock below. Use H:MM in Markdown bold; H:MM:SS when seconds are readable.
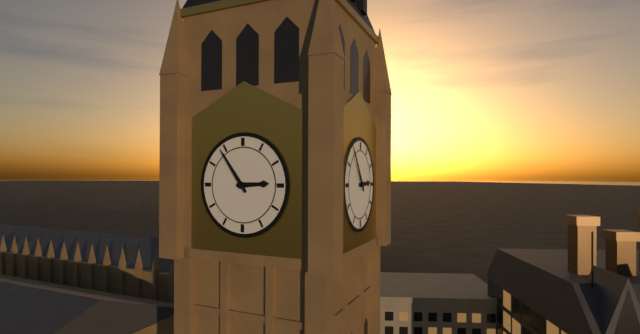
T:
**2:54**
